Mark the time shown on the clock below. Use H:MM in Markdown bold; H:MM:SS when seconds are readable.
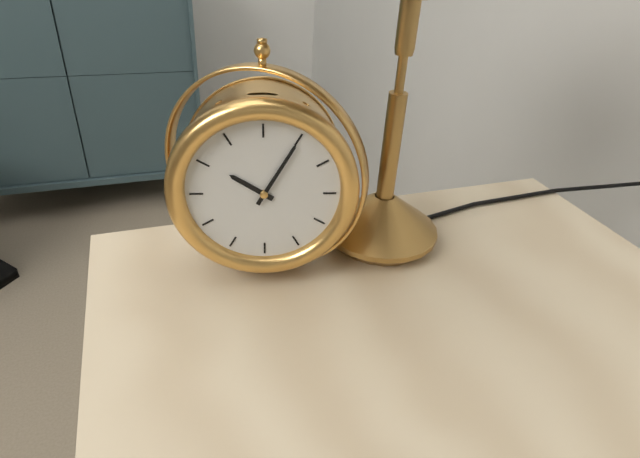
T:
**10:05**
